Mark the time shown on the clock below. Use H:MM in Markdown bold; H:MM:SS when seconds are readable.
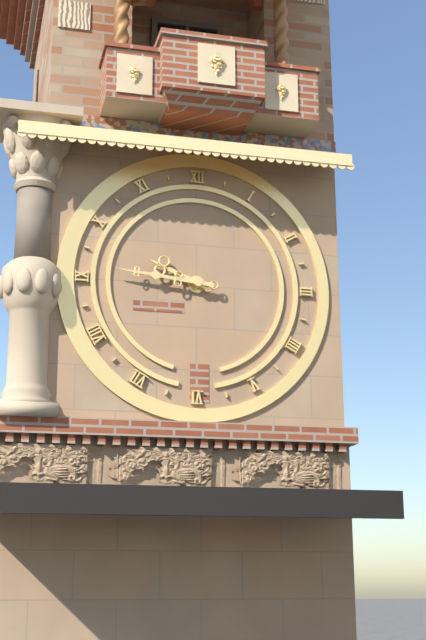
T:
**9:46**
